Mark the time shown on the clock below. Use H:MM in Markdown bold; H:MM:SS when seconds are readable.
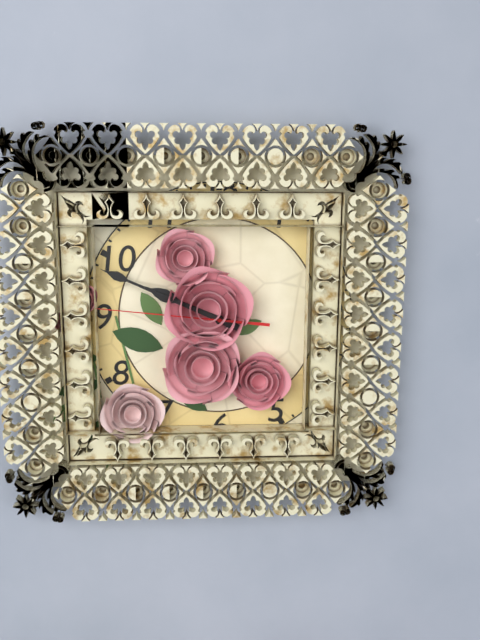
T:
**9:49:46**
